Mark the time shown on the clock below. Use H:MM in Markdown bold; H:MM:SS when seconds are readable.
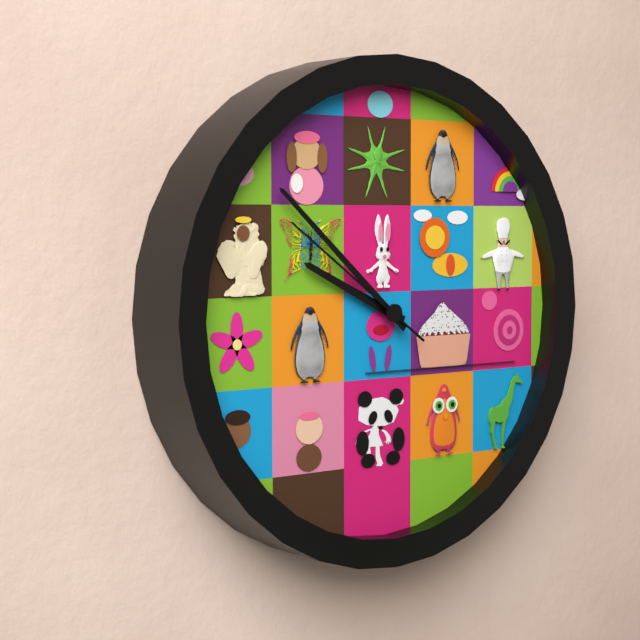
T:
**9:52:51**
